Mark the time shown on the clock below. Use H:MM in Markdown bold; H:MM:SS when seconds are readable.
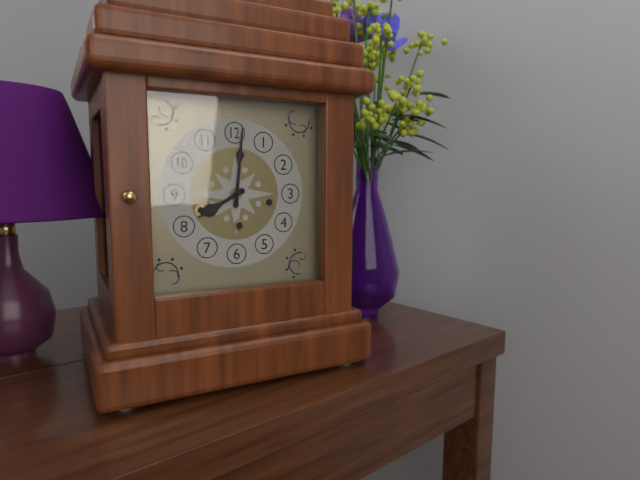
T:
**8:01**
